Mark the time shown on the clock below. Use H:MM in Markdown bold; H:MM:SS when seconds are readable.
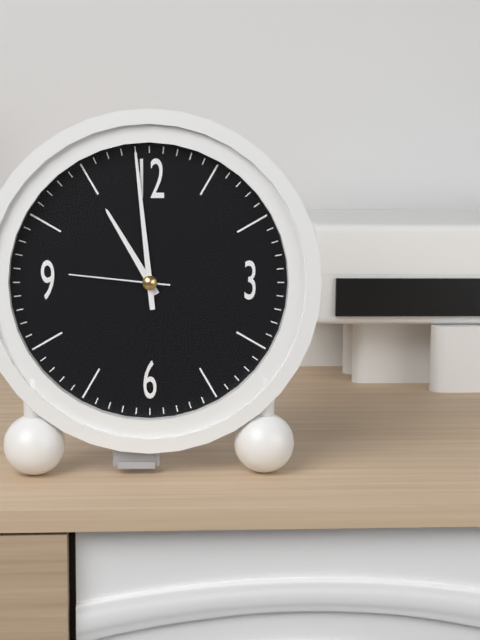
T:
**10:59:46**
